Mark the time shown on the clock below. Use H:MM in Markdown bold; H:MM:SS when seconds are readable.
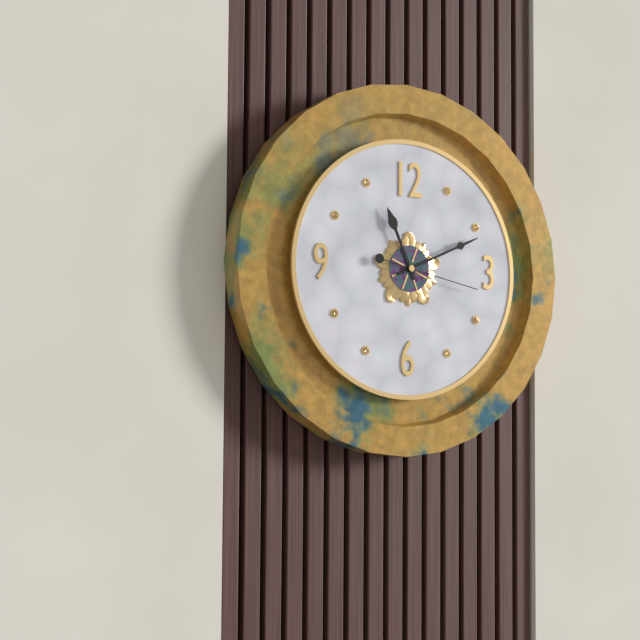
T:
**11:11:17**
